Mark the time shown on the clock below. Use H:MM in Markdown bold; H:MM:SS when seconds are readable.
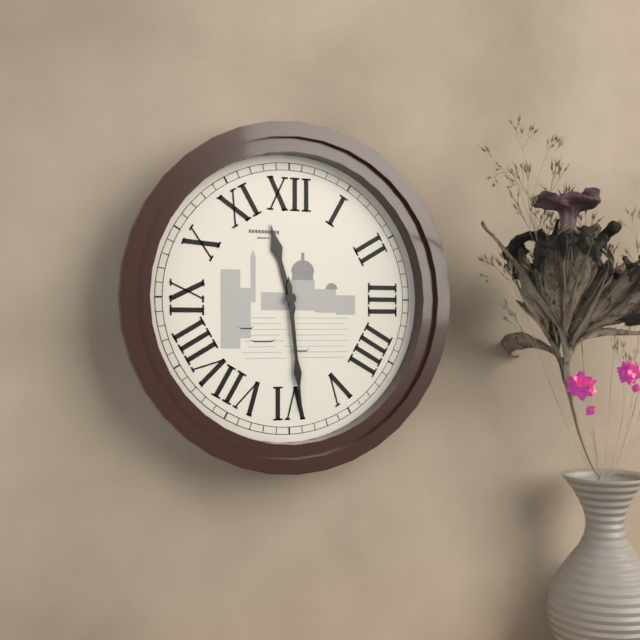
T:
**11:29**
